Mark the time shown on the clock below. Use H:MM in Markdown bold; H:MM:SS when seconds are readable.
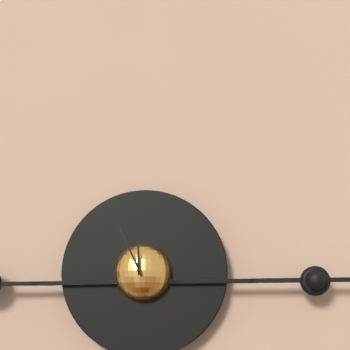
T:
**11:56**
